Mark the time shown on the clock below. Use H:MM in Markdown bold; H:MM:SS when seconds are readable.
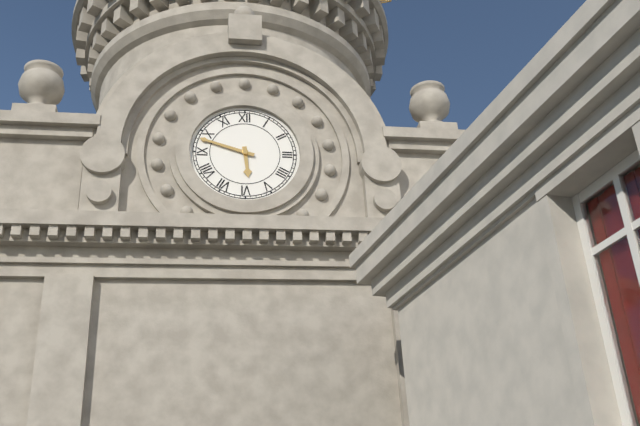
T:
**5:48**
